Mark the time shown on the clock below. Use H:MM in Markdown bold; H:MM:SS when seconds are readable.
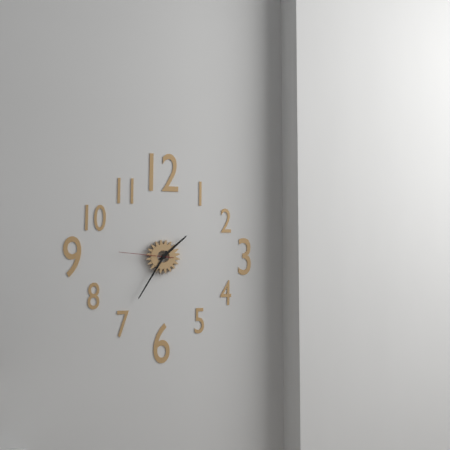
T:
**1:35:46**
